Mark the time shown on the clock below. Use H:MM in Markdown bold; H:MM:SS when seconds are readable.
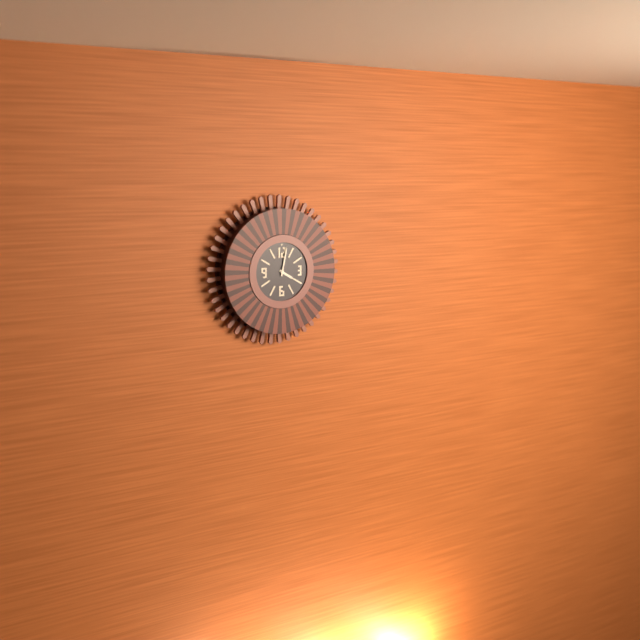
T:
**4:02**
